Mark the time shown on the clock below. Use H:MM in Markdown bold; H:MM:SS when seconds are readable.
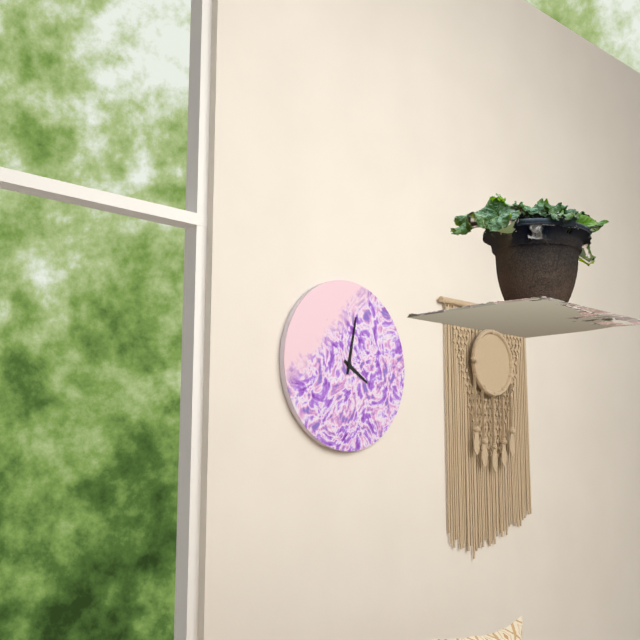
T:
**4:02**
